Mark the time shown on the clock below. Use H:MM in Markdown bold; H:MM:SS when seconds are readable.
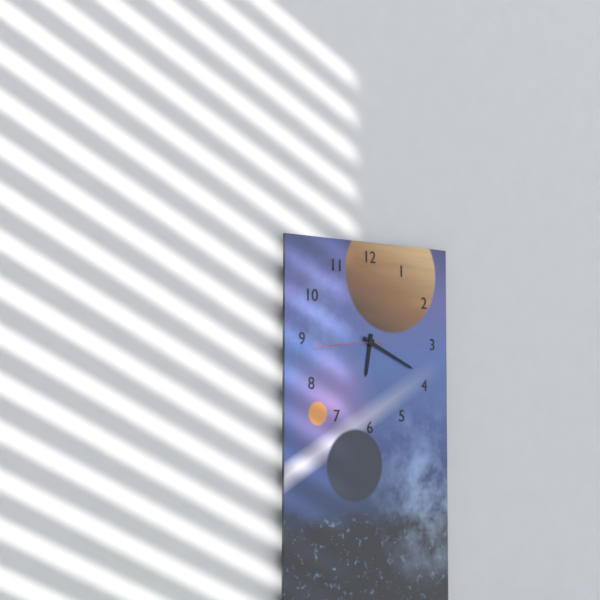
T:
**6:19:44**
